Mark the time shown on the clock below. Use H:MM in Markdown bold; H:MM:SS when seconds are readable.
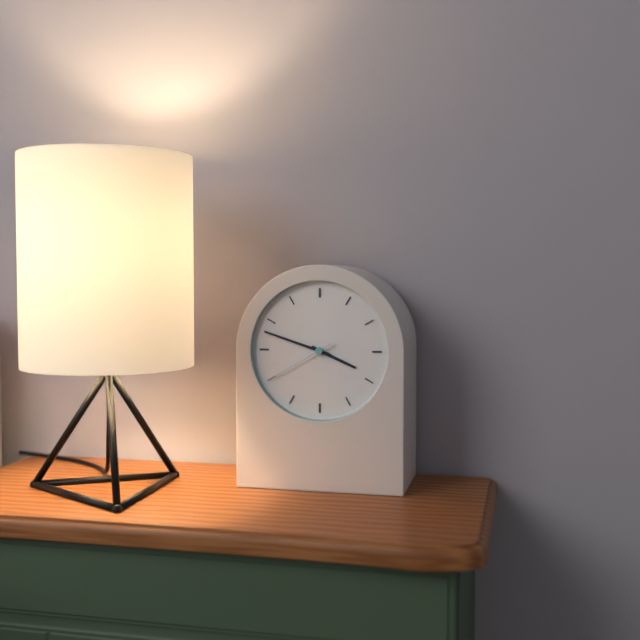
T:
**3:48:40**
